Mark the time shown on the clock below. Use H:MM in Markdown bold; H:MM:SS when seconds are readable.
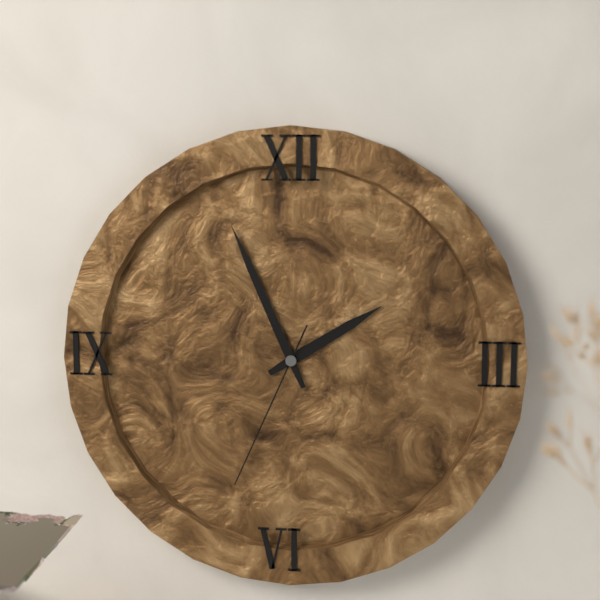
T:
**1:56:34**
